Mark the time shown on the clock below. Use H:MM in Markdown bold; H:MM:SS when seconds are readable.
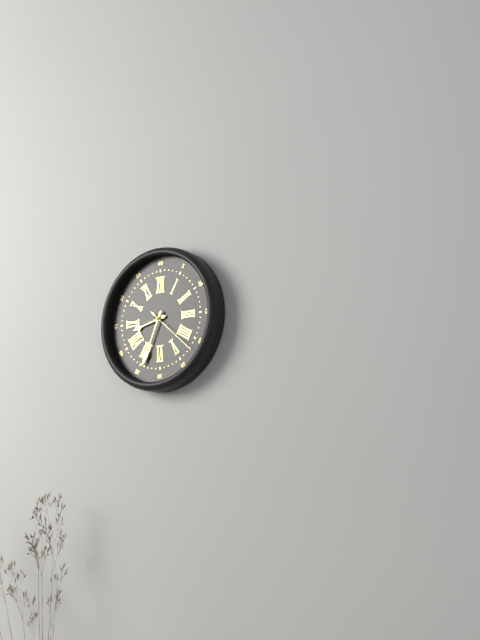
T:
**8:34**
